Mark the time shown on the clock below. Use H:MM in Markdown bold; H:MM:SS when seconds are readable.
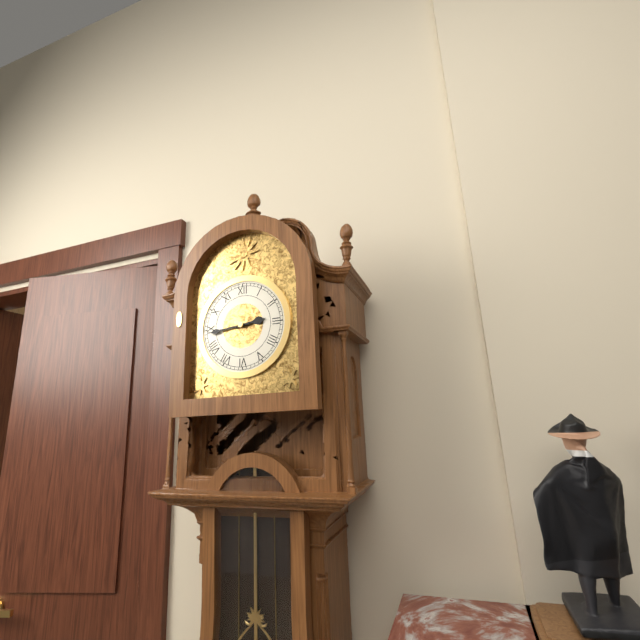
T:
**2:44**
